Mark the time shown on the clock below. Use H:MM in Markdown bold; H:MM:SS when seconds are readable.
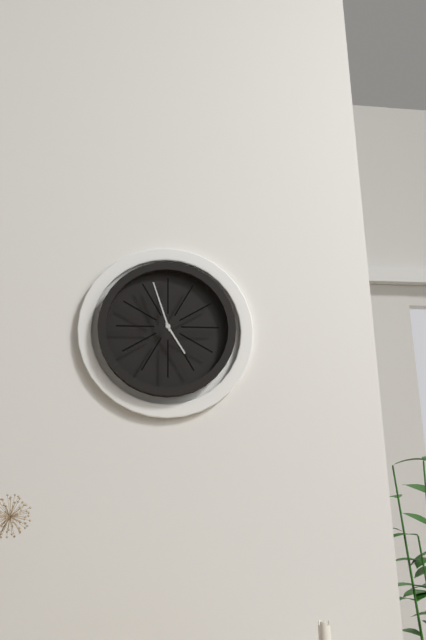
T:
**4:57**
